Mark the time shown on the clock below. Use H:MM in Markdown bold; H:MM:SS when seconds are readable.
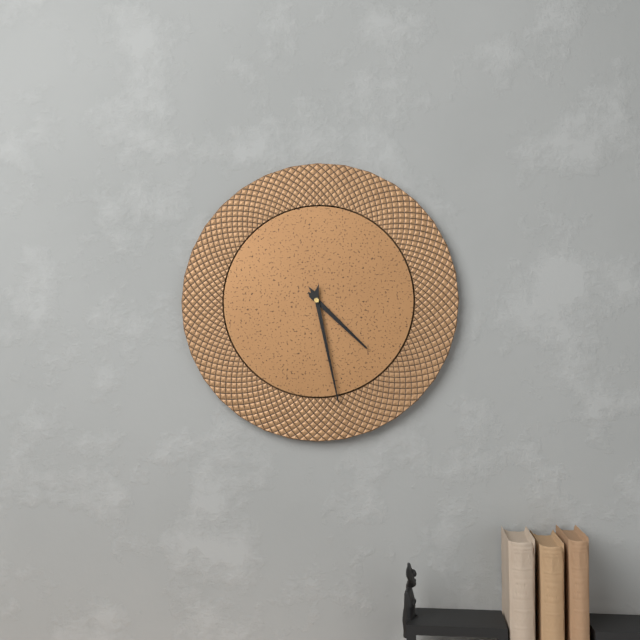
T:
**4:28**
